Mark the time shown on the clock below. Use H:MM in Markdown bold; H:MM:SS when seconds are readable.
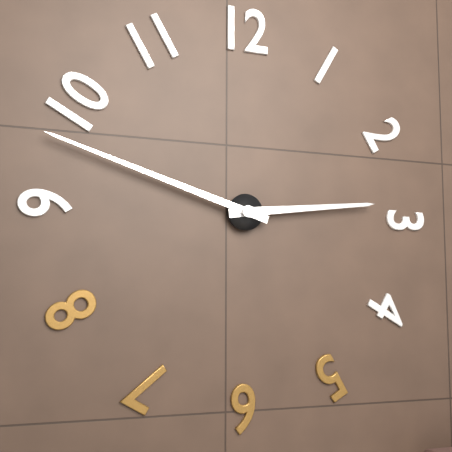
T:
**2:48**
